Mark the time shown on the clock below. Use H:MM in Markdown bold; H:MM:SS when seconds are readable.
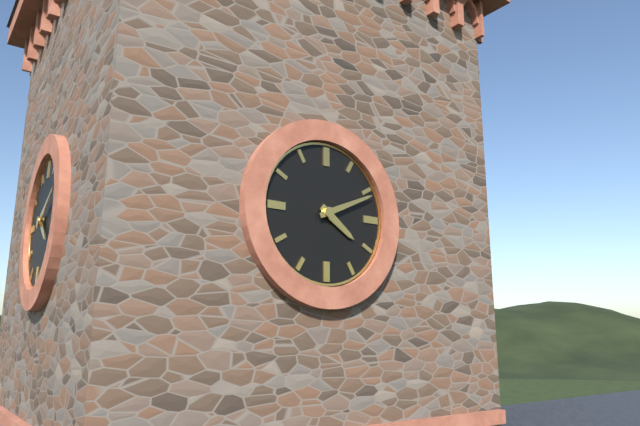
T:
**4:11**
